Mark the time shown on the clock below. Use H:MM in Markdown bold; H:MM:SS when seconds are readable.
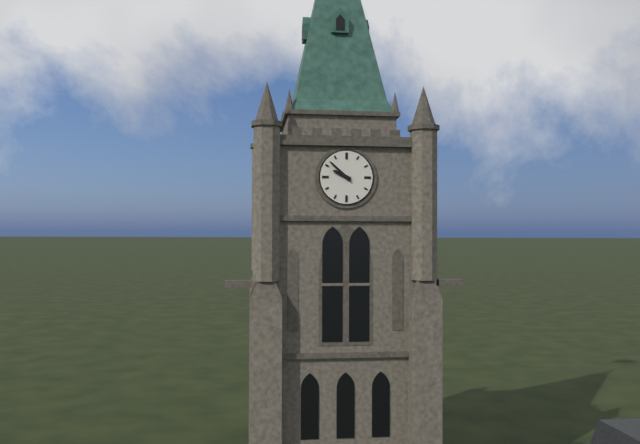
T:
**9:52**
